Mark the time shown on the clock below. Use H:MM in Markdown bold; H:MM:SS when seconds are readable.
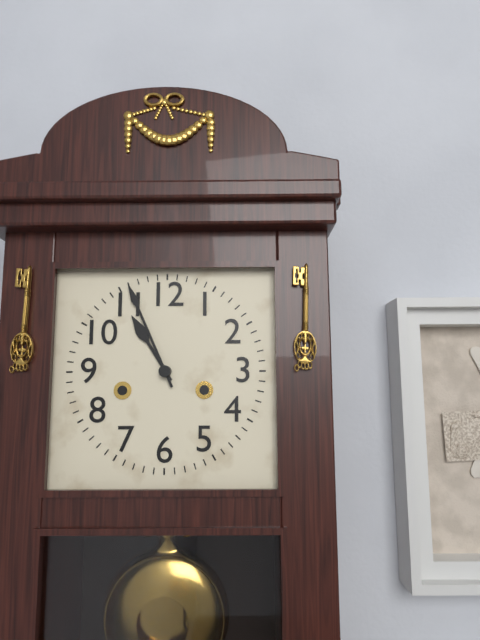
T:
**10:56**
